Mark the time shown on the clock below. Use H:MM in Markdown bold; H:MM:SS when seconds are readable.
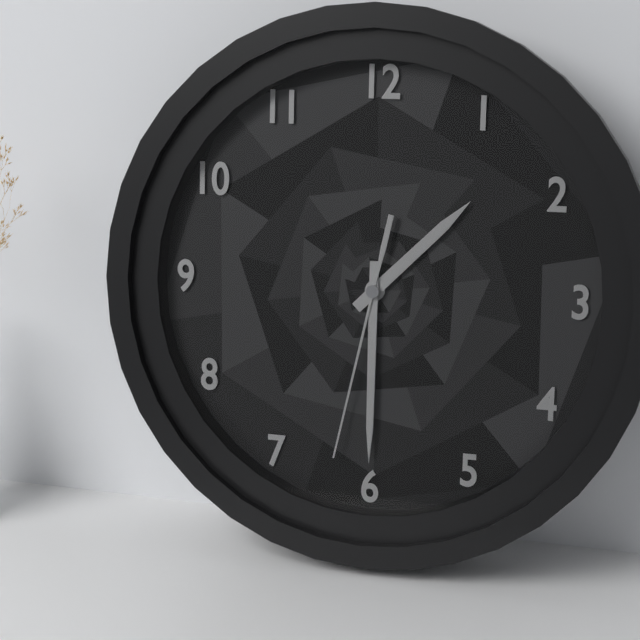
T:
**1:30:32**
